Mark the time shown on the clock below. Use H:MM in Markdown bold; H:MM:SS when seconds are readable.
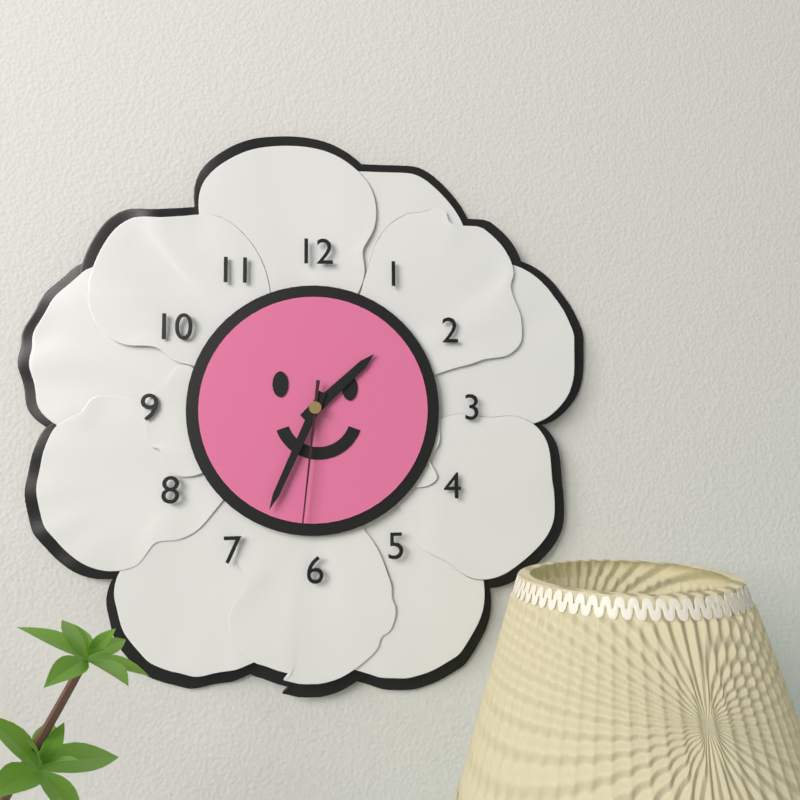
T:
**1:34:31**
